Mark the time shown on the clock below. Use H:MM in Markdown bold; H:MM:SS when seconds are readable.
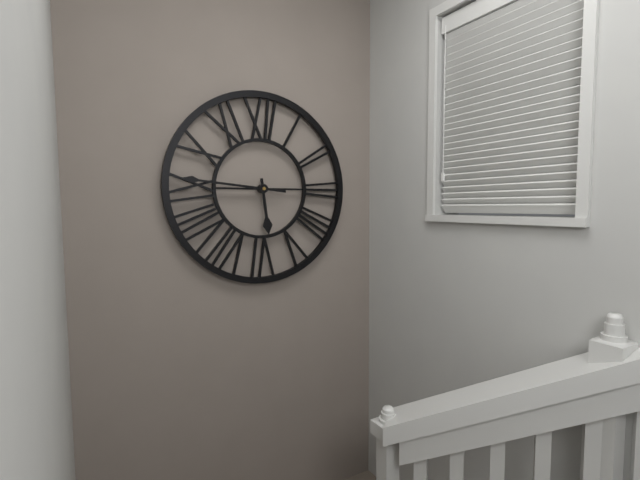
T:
**5:46**
